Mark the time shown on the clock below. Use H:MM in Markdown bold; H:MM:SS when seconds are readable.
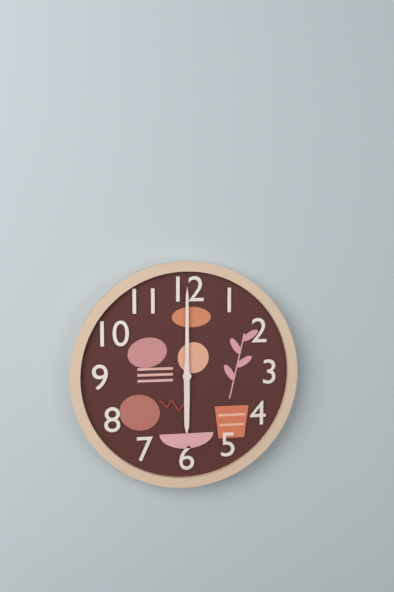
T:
**6:00**
